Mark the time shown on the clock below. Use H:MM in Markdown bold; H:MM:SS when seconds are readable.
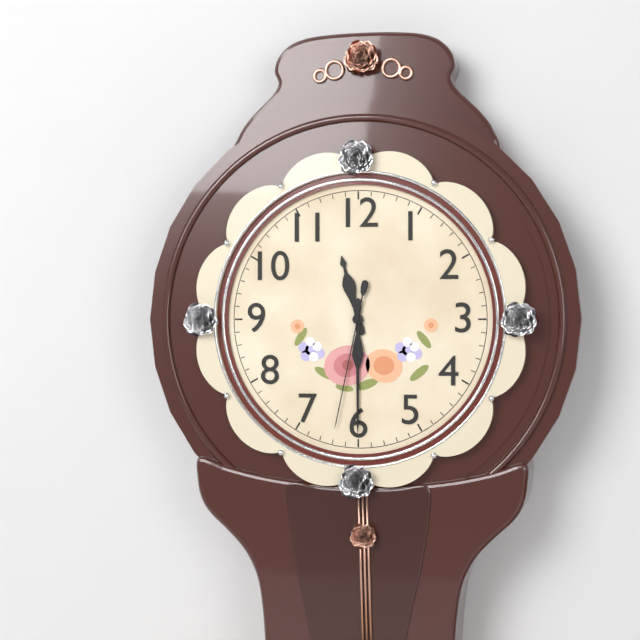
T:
**11:30:32**
